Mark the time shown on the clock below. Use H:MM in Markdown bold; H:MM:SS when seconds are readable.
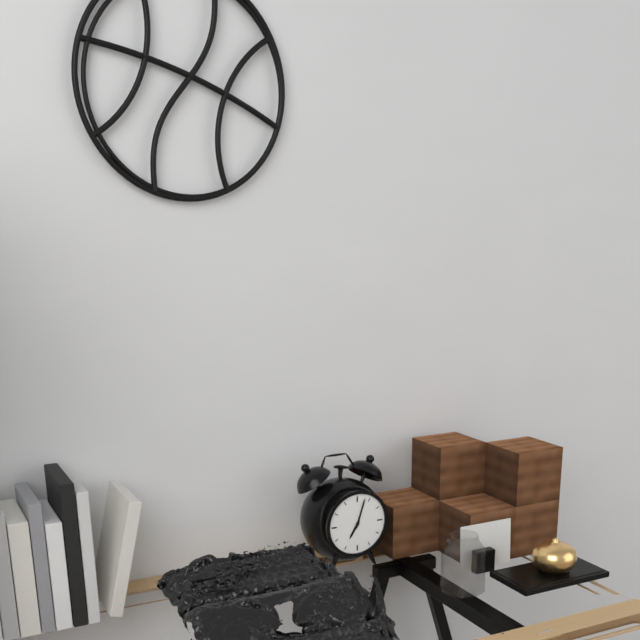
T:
**7:03**
